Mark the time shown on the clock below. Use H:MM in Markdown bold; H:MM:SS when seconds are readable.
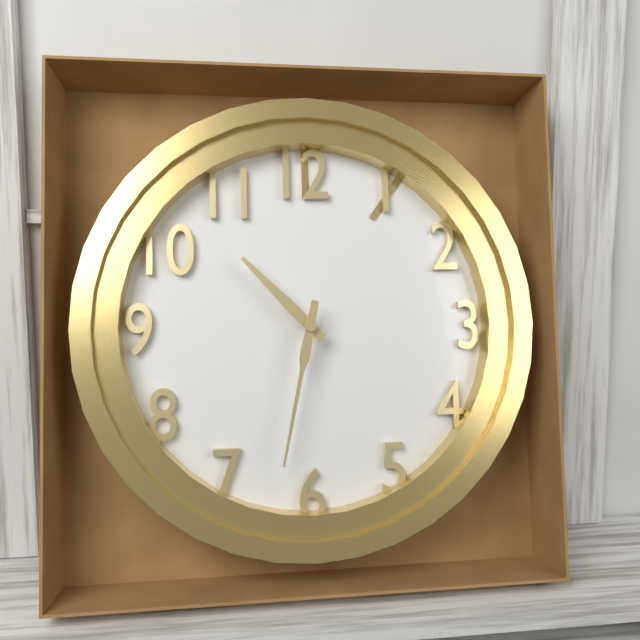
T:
**10:32**
